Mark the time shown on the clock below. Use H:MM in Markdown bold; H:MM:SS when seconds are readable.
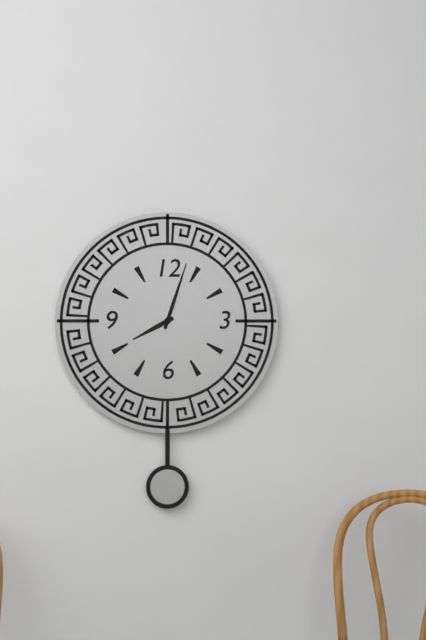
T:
**8:03**
